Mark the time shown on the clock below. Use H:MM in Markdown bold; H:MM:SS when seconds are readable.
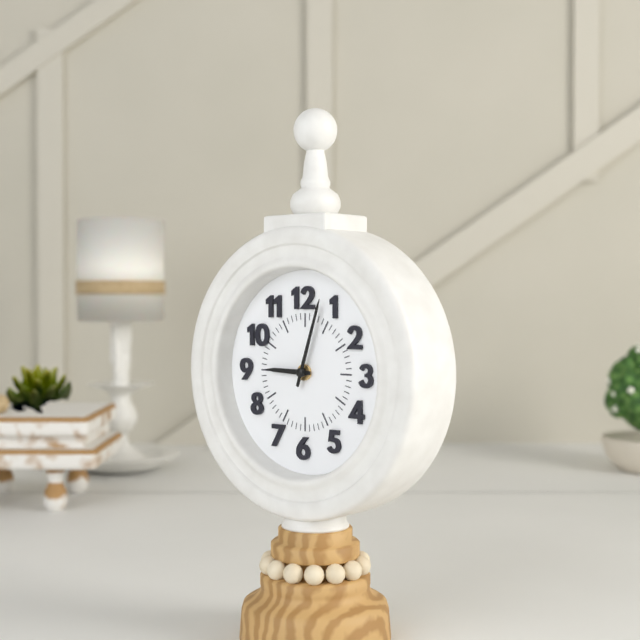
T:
**9:03**
